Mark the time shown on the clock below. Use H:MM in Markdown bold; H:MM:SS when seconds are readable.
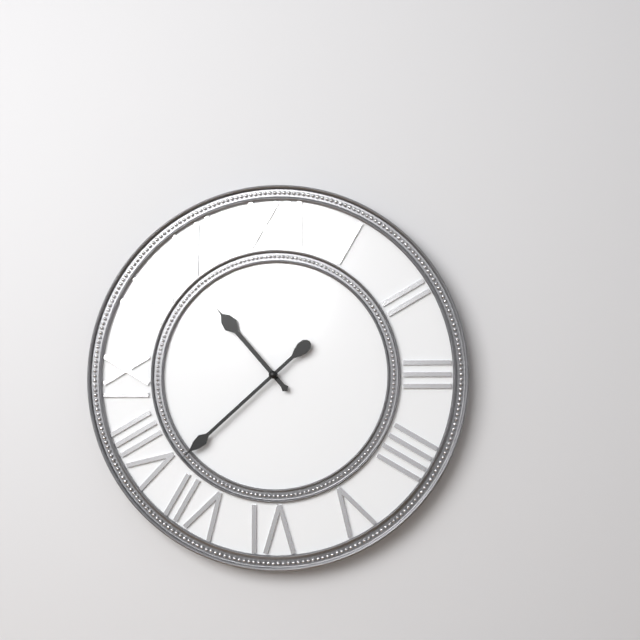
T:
**10:38**
